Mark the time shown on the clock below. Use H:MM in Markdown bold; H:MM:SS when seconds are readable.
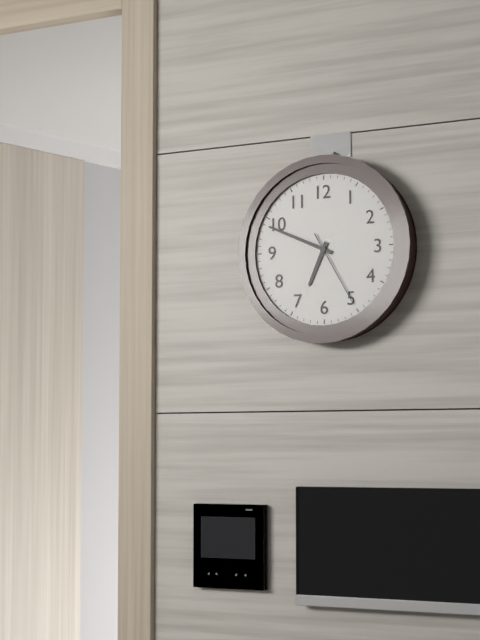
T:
**6:49:25**
